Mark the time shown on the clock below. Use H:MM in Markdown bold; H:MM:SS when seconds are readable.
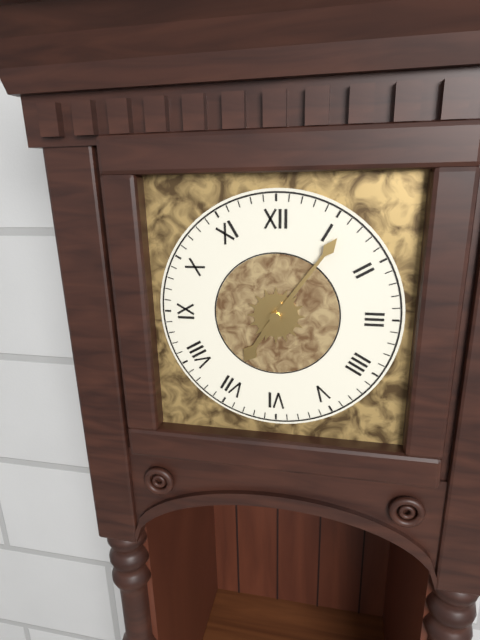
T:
**7:06**
